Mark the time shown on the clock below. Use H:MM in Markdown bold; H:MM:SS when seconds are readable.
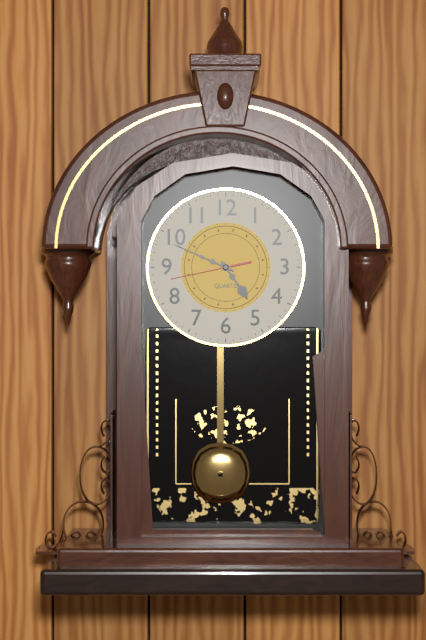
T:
**4:49:43**
